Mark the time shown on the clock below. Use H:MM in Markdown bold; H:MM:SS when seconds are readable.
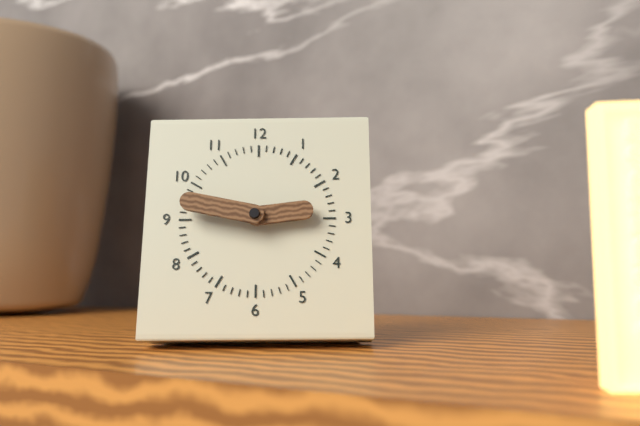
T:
**2:47**
